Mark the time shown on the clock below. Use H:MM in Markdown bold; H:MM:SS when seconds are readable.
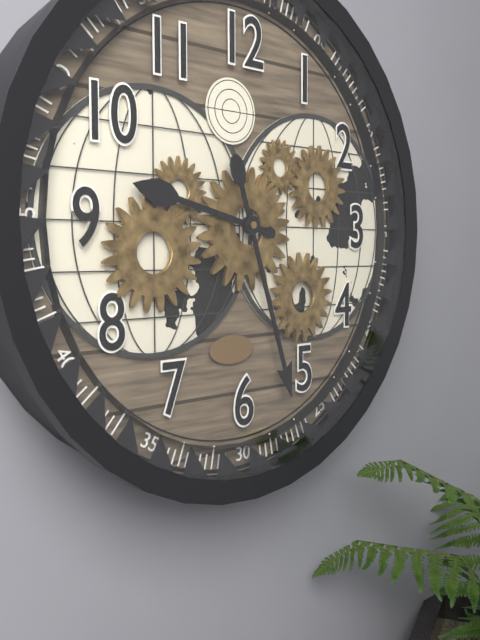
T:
**9:27**
